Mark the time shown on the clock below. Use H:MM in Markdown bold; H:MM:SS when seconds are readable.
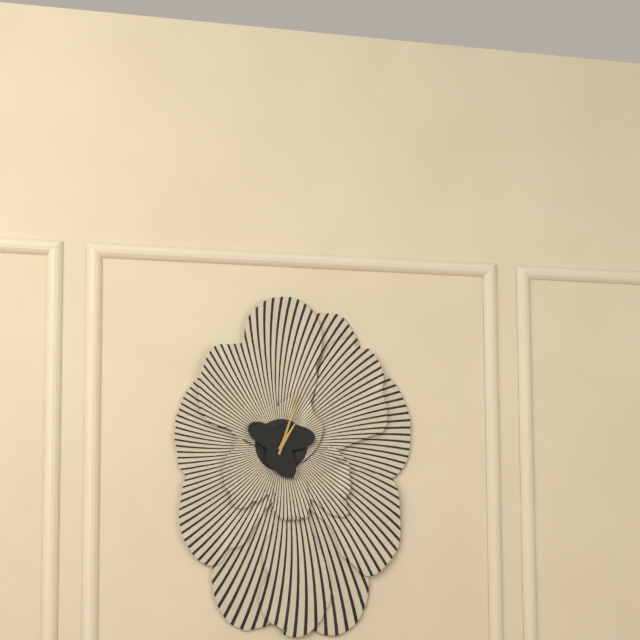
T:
**1:03**
